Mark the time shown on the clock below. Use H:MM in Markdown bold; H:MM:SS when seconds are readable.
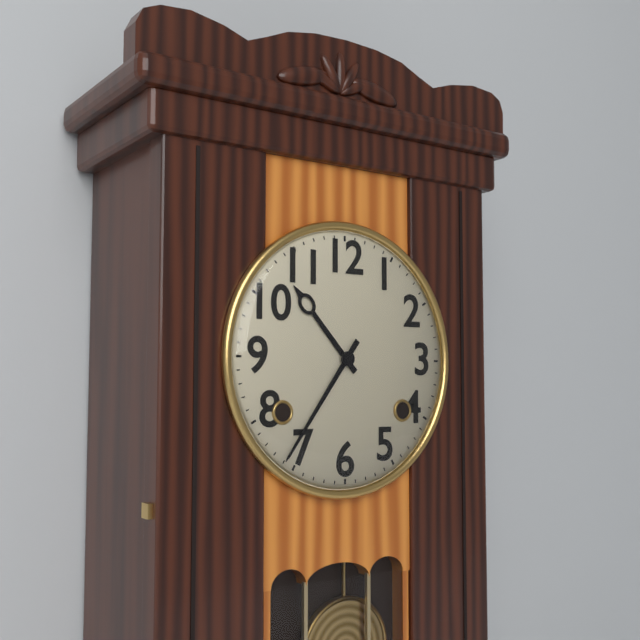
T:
**10:36**
